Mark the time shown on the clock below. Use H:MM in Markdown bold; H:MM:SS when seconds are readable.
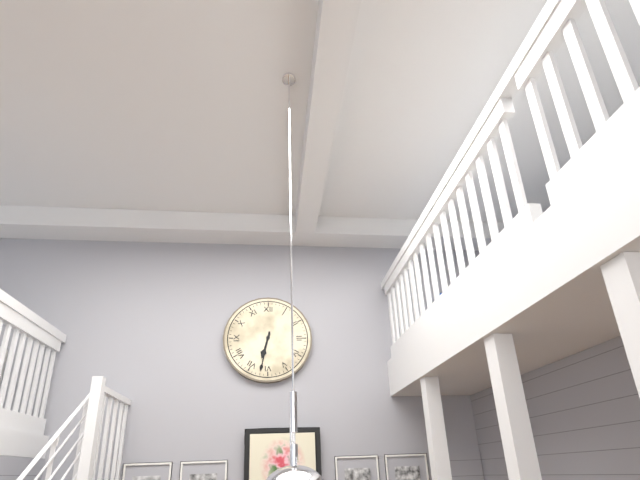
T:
**6:32**
